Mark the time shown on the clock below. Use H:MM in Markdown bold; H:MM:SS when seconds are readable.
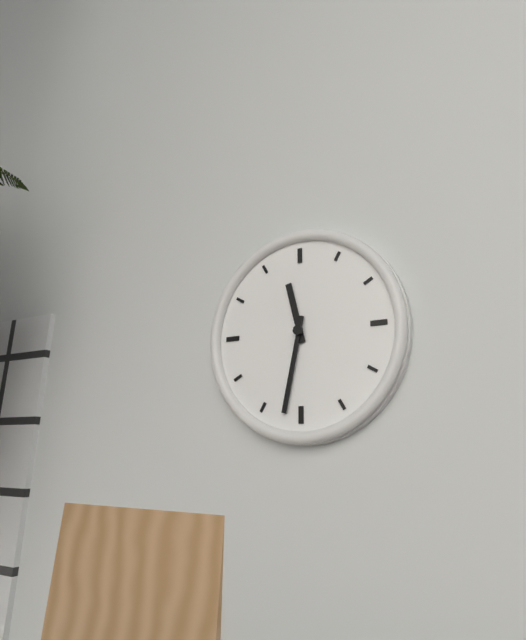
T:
**11:32**
